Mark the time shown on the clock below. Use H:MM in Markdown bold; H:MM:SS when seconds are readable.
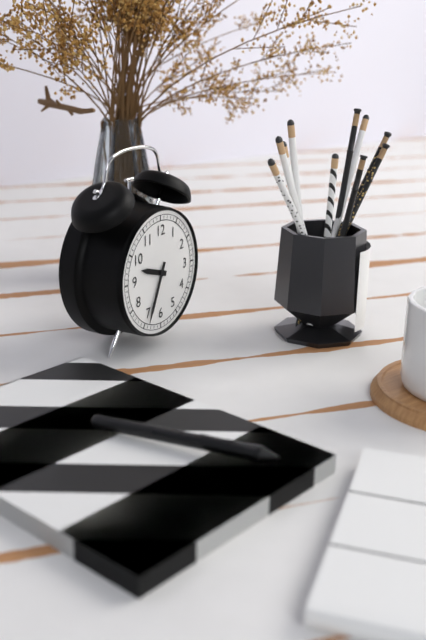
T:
**9:34**
